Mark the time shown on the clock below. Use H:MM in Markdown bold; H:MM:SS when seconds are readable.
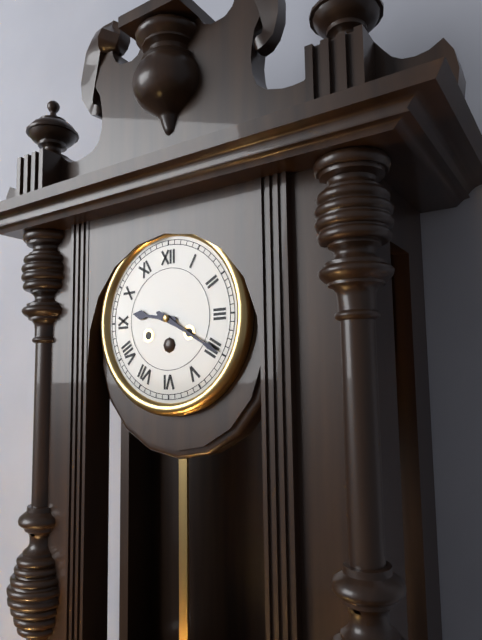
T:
**9:20**
